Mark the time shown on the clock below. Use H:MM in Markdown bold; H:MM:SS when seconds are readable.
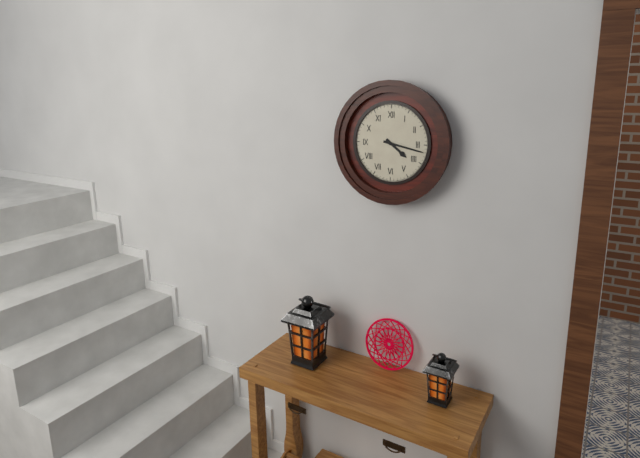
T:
**4:17**
